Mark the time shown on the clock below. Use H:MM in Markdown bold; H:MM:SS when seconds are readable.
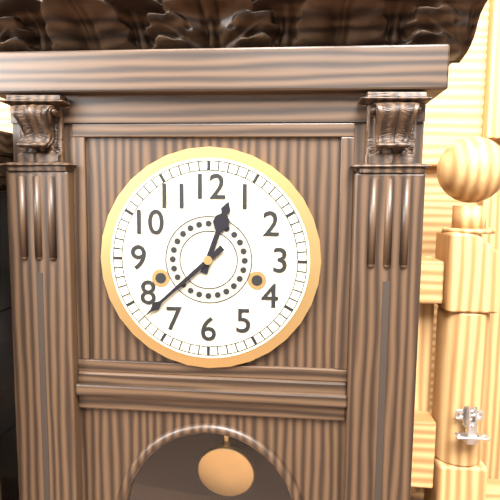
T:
**12:38**
